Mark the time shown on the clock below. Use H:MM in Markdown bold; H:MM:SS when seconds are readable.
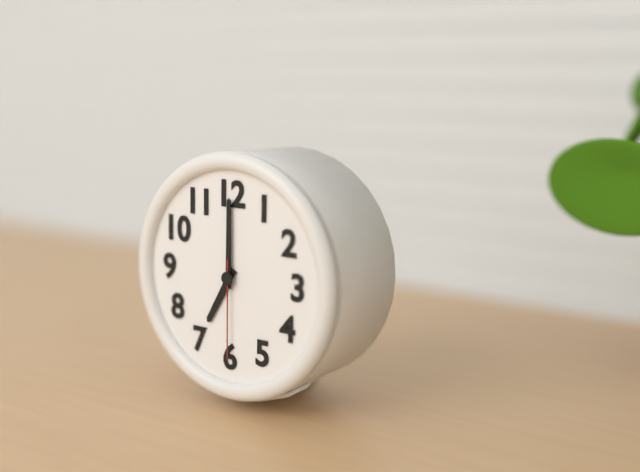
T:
**7:00:30**
